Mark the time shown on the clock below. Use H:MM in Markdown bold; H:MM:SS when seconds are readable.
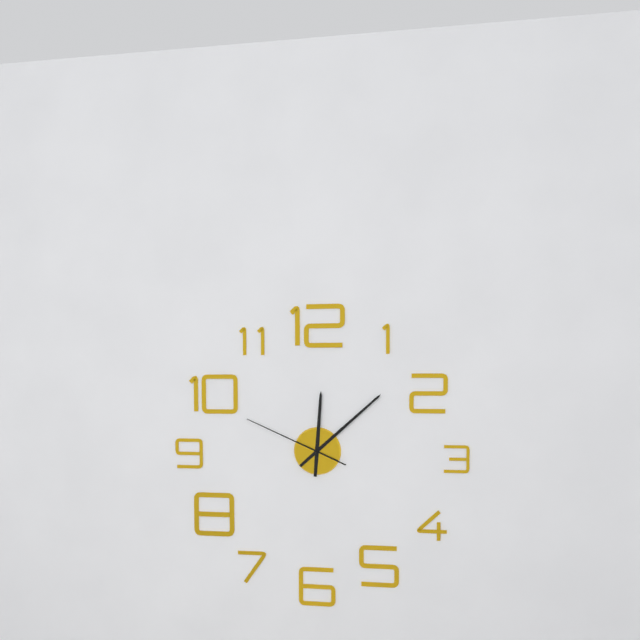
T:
**12:08:49**
